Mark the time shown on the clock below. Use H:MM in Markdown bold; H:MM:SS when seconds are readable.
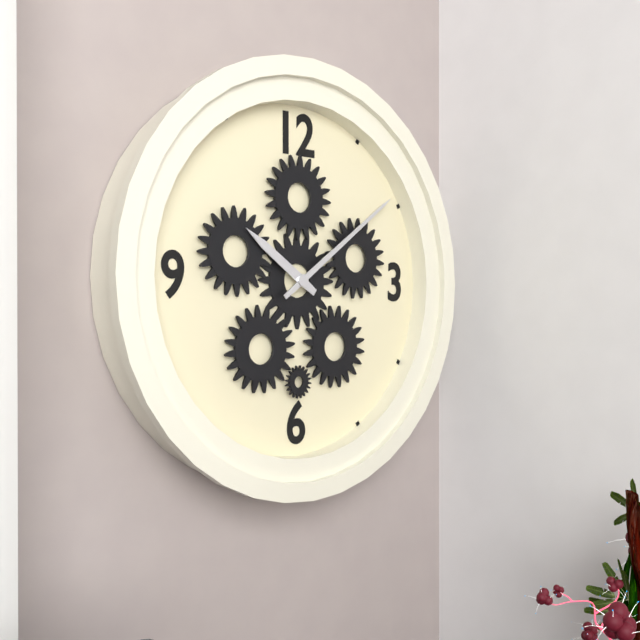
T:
**10:09**
